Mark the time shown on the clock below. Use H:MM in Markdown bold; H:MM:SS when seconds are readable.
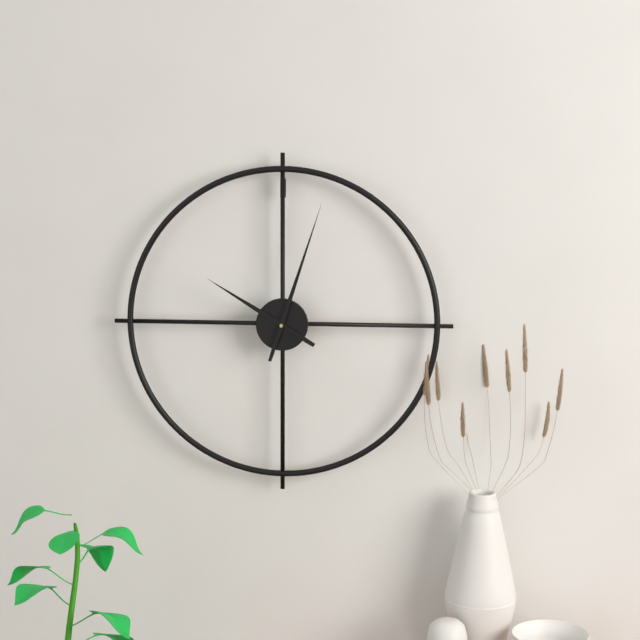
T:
**10:03**
